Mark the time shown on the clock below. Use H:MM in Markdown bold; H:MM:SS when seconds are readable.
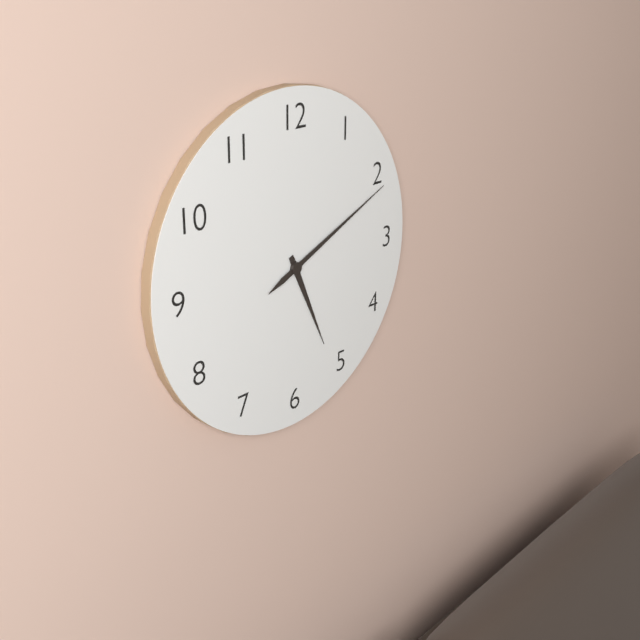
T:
**5:11**
